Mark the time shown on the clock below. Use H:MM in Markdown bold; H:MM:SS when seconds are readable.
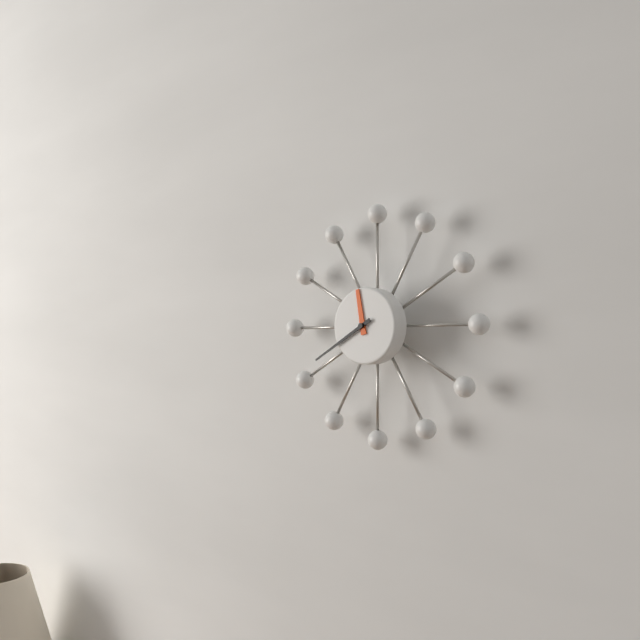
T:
**11:40**
